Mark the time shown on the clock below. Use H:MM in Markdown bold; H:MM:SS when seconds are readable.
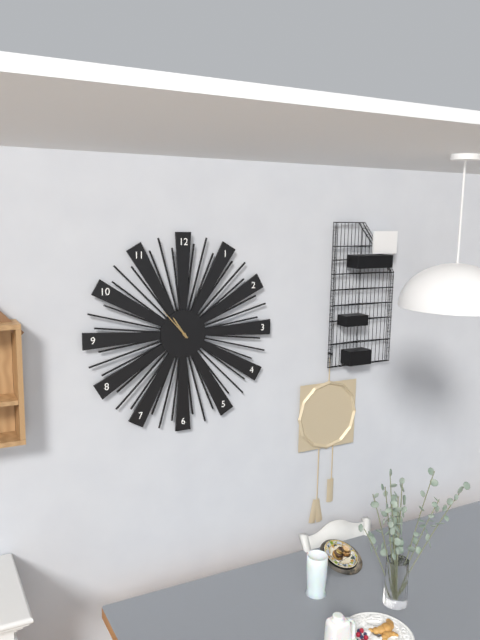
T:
**10:53**
